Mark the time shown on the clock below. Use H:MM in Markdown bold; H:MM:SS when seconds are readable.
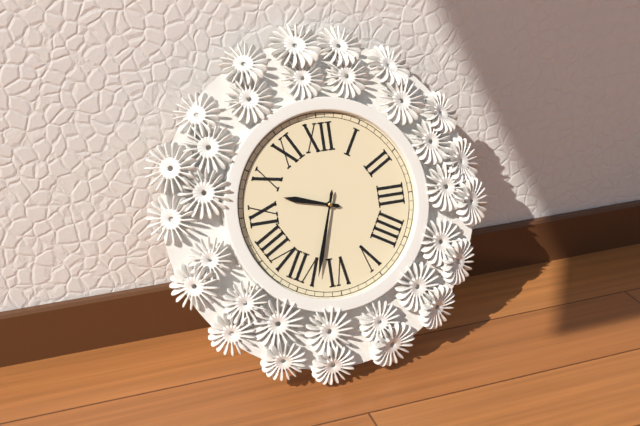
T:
**9:33**
